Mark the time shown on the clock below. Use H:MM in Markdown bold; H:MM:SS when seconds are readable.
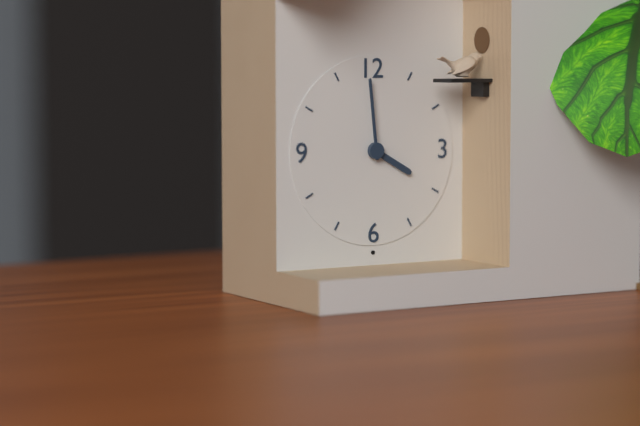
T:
**3:59**
